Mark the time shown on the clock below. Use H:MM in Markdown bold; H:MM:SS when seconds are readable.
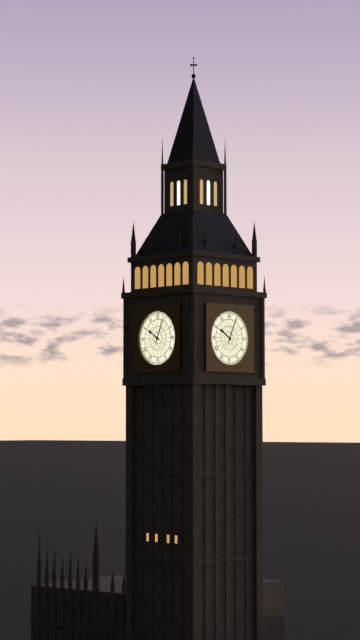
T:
**10:04**
